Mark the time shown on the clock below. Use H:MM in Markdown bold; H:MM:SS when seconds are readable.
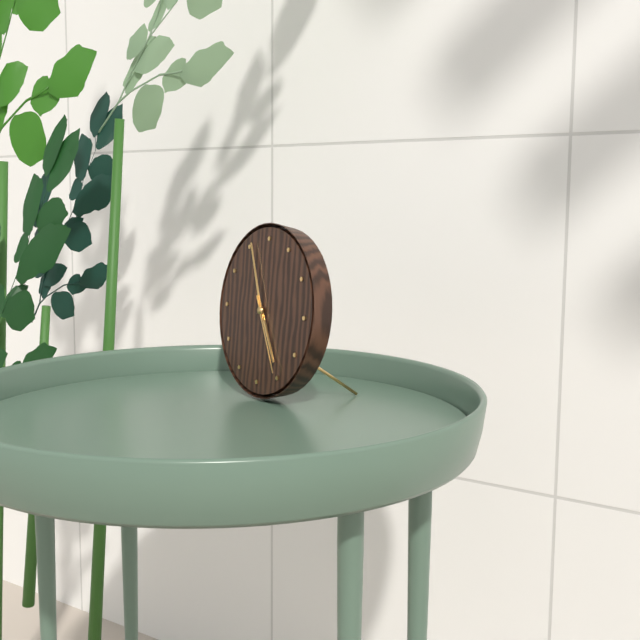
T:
**4:56:25**
